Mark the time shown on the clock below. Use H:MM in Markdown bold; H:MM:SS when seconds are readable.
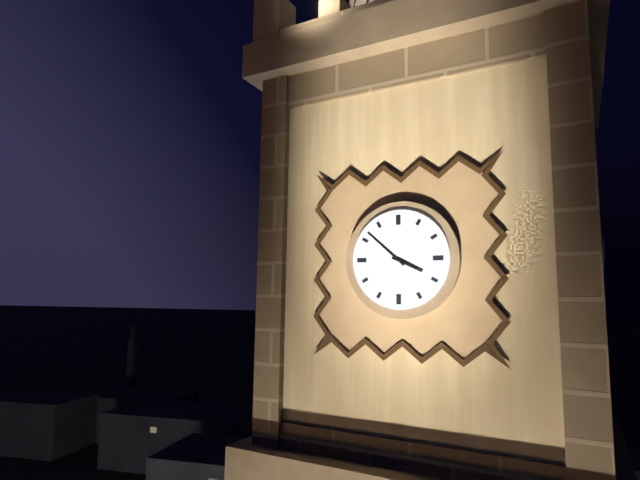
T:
**3:52**
